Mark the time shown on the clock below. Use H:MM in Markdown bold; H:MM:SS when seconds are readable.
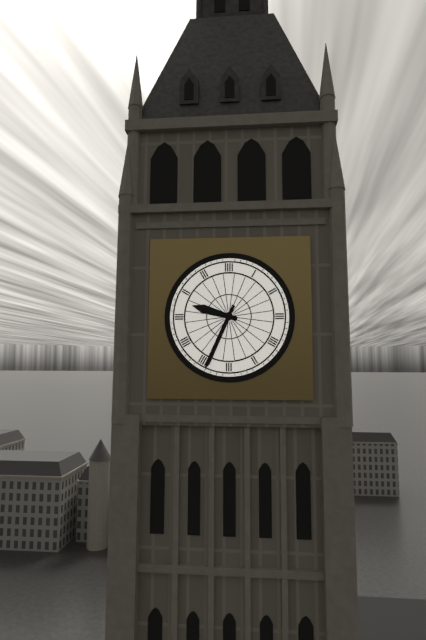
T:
**9:34**
